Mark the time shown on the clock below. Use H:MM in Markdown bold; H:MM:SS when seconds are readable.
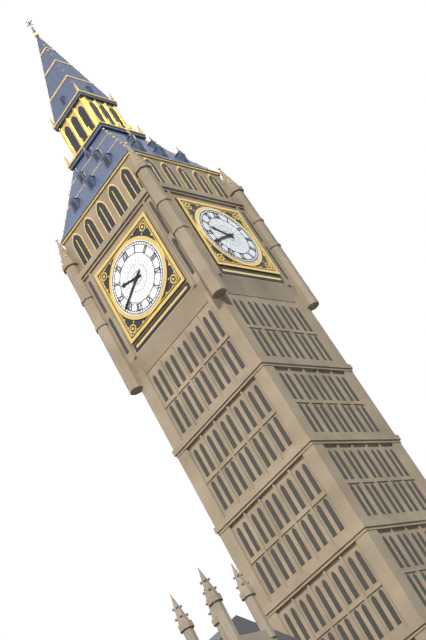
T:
**9:41**
